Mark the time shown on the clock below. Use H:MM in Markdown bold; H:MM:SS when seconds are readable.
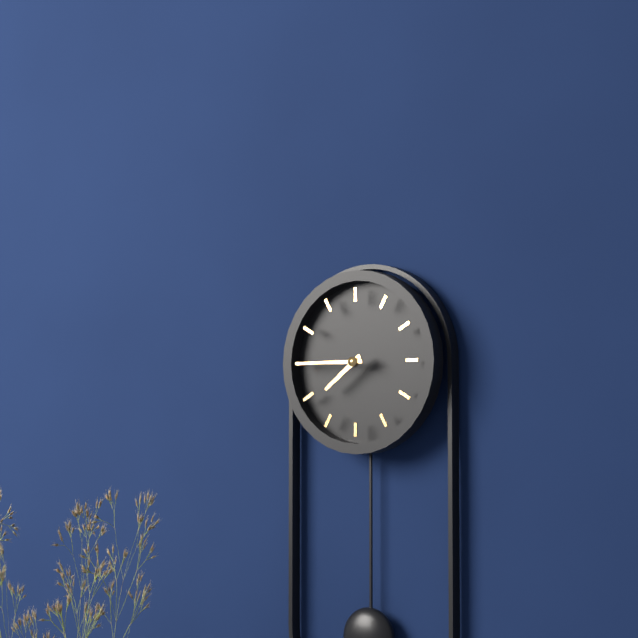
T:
**7:45**
